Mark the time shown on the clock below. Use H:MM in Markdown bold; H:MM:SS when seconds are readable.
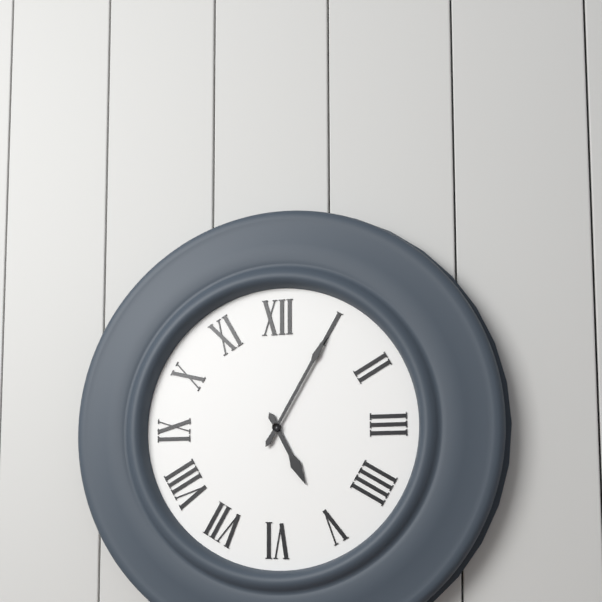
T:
**5:05**
